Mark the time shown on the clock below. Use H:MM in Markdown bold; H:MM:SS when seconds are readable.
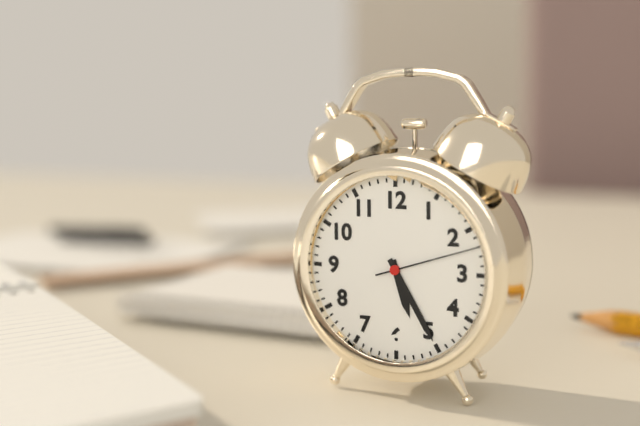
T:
**5:25:12**
